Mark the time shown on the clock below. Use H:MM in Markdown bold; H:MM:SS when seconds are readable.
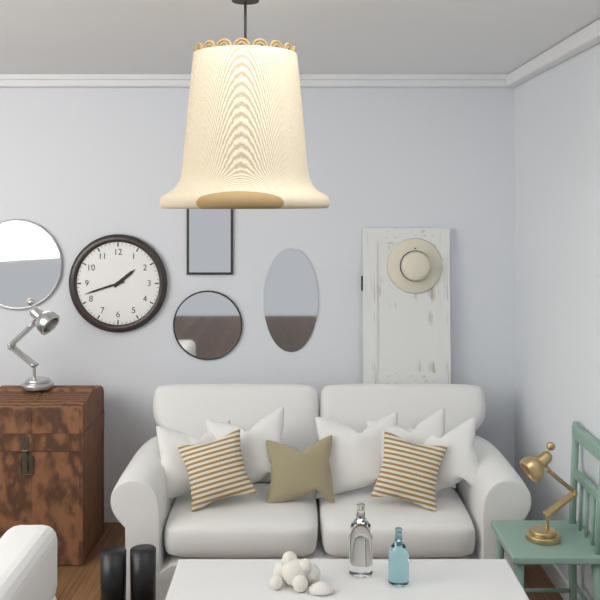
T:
**1:42**
